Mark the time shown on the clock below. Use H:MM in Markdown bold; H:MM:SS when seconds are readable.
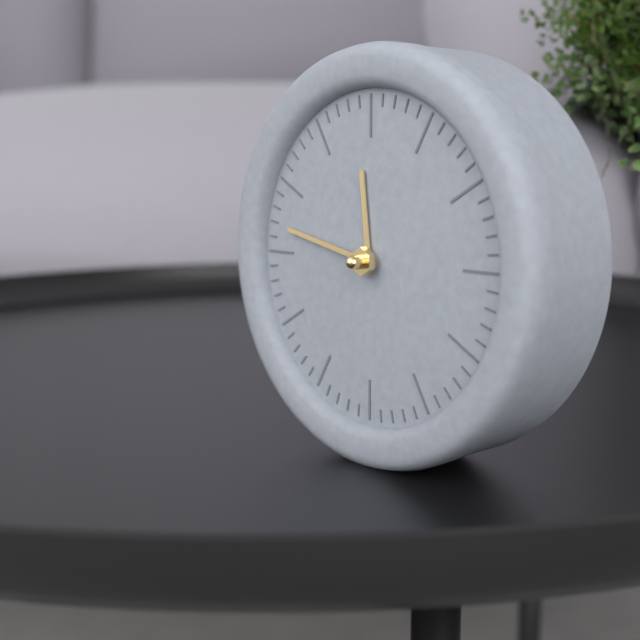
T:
**11:47**
